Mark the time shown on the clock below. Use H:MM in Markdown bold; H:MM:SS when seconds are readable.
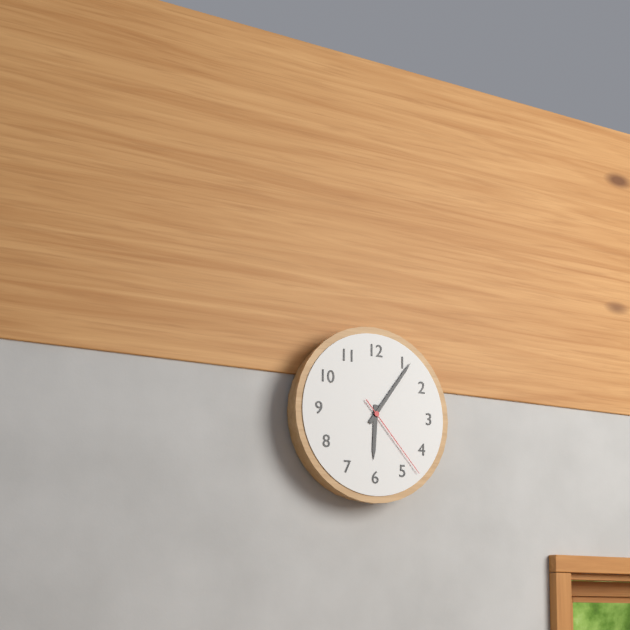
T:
**6:06:23**
